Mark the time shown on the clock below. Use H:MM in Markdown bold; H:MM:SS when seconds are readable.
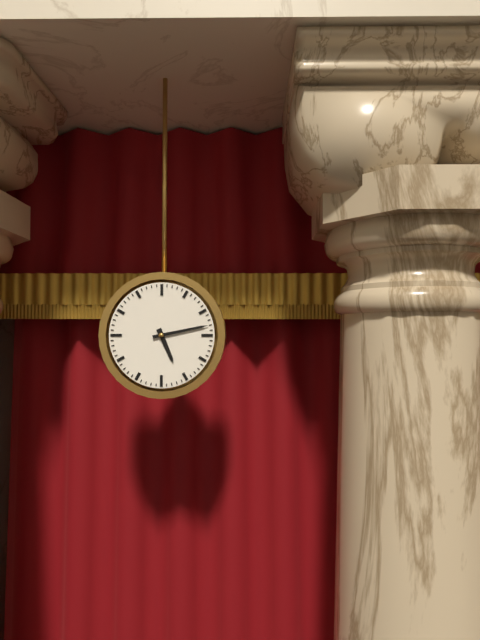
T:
**5:13**
